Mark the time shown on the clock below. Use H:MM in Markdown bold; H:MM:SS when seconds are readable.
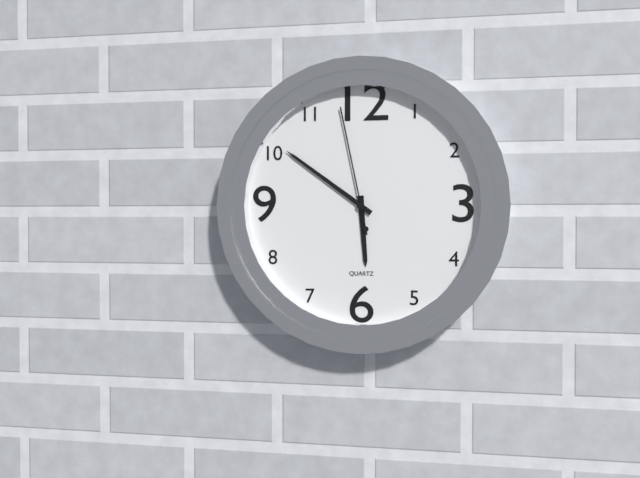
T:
**5:51:58**
